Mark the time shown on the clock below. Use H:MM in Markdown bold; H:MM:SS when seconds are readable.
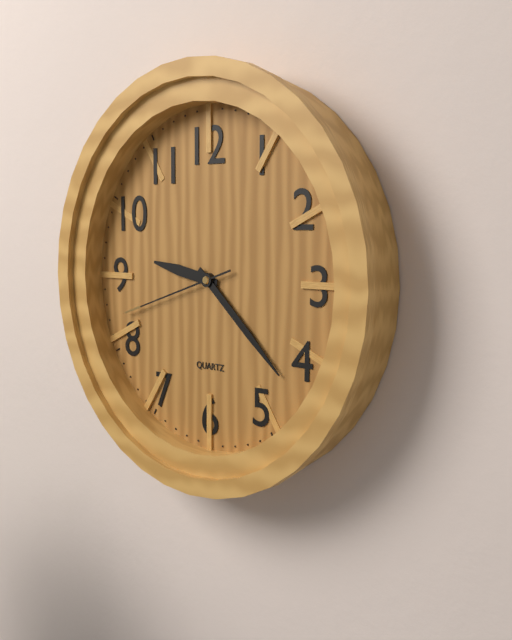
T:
**9:22:42**
